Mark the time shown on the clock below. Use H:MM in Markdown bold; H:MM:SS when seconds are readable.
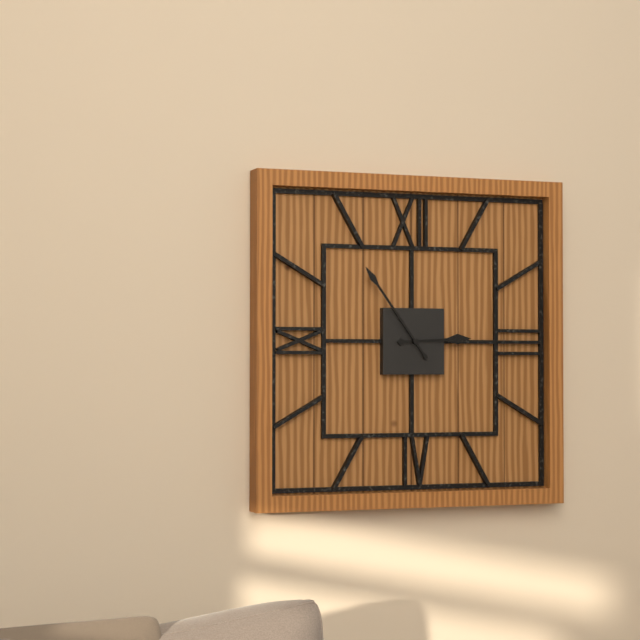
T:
**2:54**
